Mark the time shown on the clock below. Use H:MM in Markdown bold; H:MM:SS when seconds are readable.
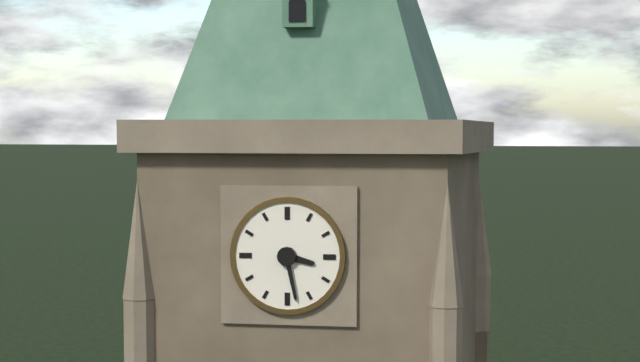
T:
**3:28**
